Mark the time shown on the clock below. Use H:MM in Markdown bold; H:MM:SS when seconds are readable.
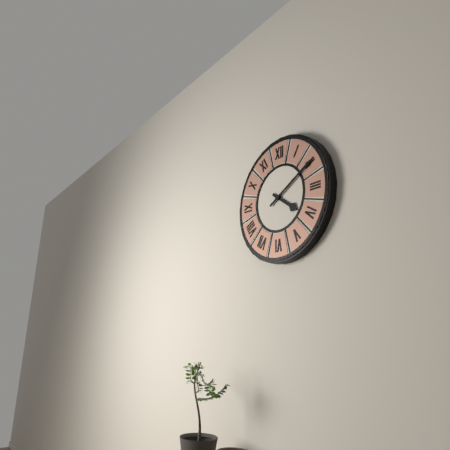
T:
**4:10**
